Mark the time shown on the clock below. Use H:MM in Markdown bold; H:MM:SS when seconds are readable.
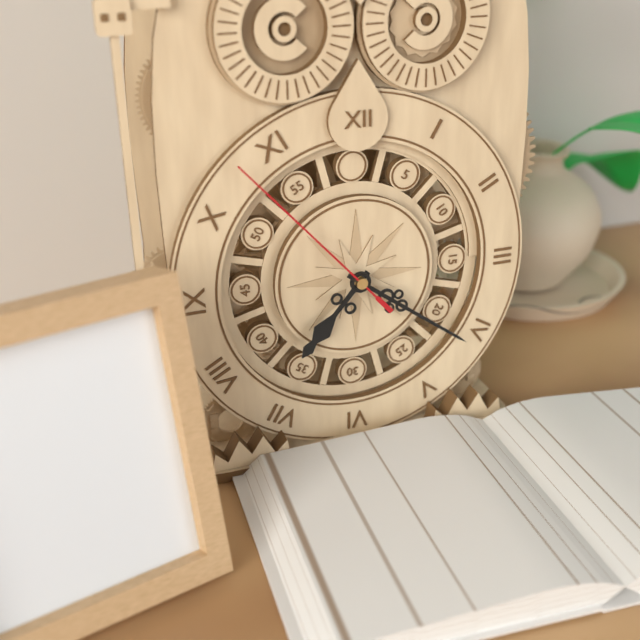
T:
**7:21:53**
